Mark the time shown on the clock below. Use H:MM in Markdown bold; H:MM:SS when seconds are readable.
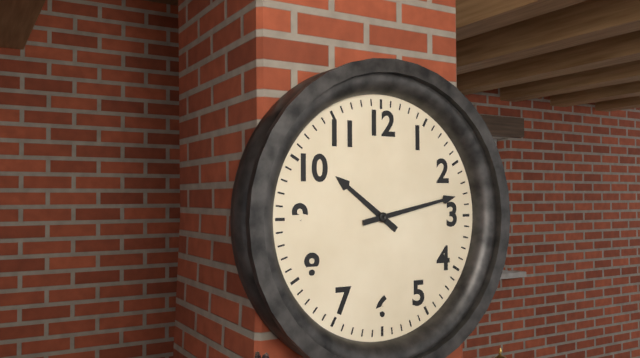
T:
**10:13**
